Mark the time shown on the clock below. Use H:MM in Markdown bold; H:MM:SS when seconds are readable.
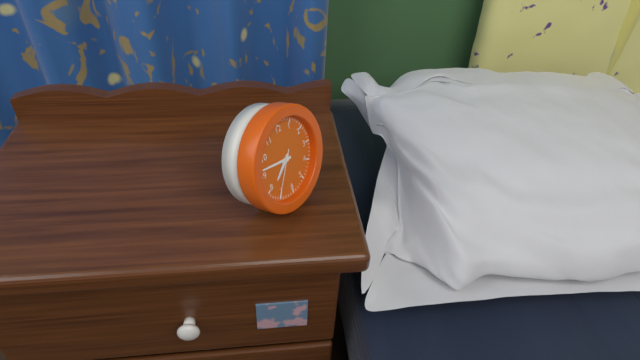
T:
**7:47**
